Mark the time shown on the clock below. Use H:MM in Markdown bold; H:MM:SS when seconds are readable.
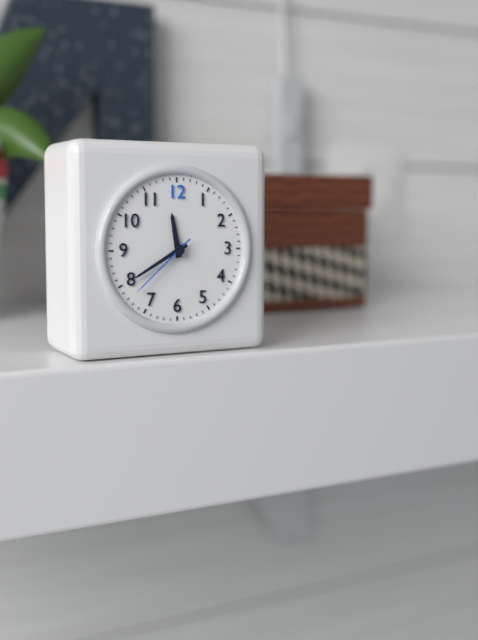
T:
**11:40:38**
